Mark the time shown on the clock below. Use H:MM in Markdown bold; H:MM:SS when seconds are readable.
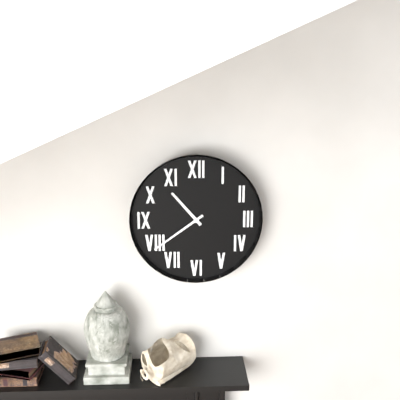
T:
**10:39**
